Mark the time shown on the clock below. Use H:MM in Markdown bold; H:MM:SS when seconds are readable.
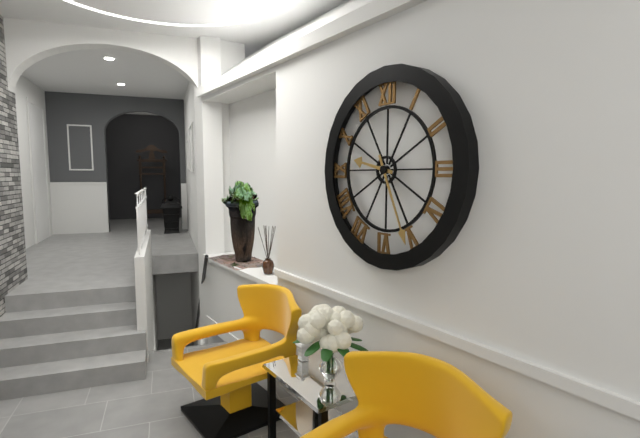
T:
**9:26**
